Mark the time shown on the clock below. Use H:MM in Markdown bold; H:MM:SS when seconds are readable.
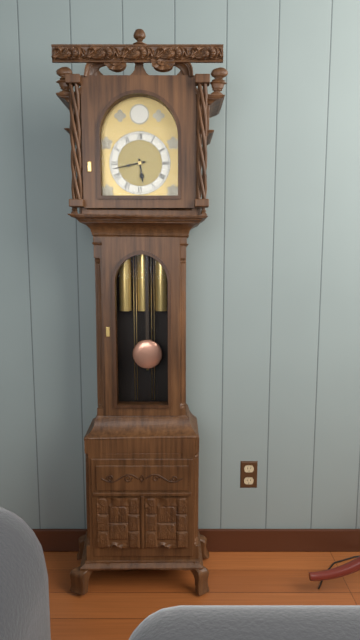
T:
**5:43**
